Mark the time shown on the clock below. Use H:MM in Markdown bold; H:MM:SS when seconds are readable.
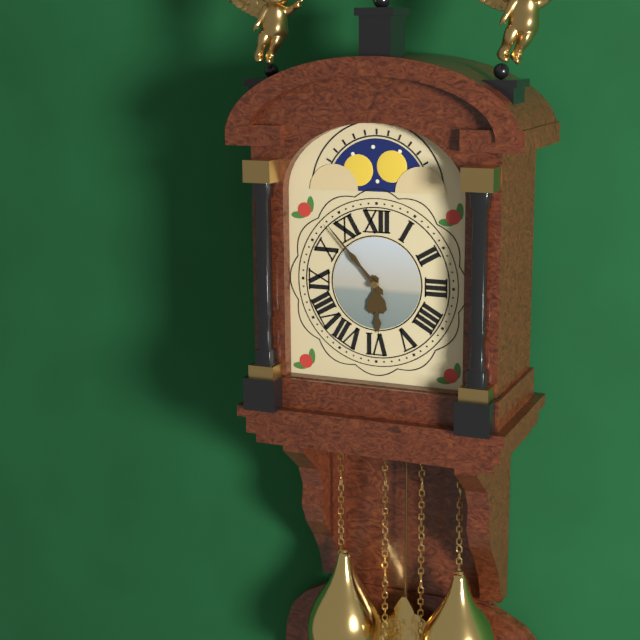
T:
**5:53**
